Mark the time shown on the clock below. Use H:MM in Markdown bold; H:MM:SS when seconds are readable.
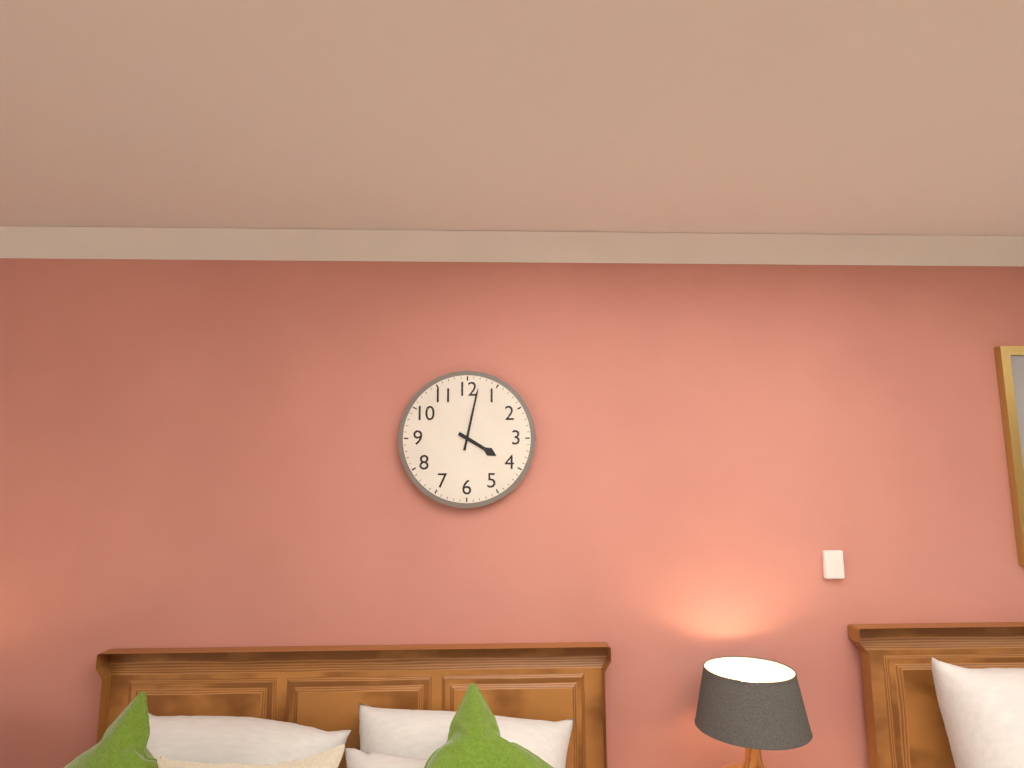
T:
**4:02**
